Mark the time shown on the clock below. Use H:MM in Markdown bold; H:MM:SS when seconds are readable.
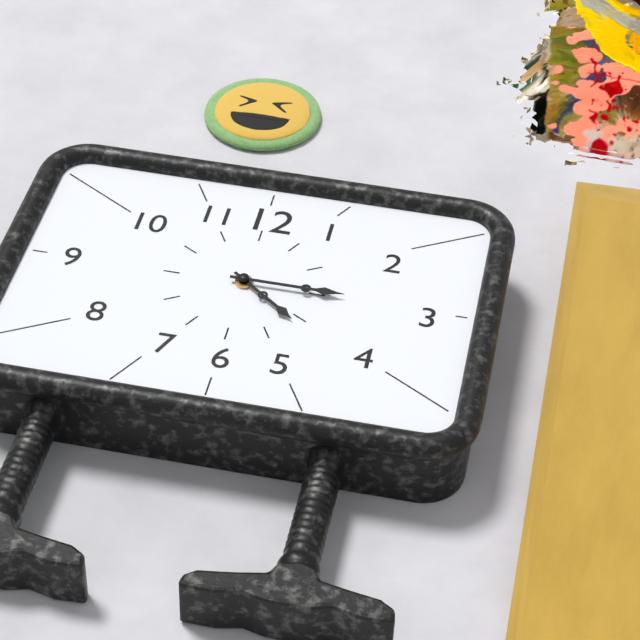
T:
**4:15**
